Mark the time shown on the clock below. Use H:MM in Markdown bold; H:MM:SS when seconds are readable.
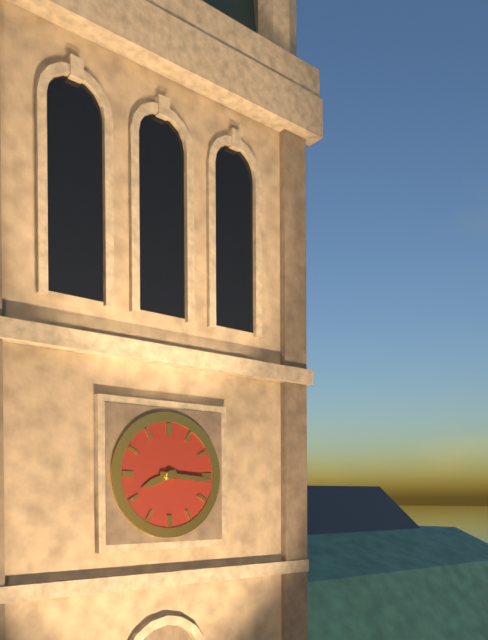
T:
**8:16**
